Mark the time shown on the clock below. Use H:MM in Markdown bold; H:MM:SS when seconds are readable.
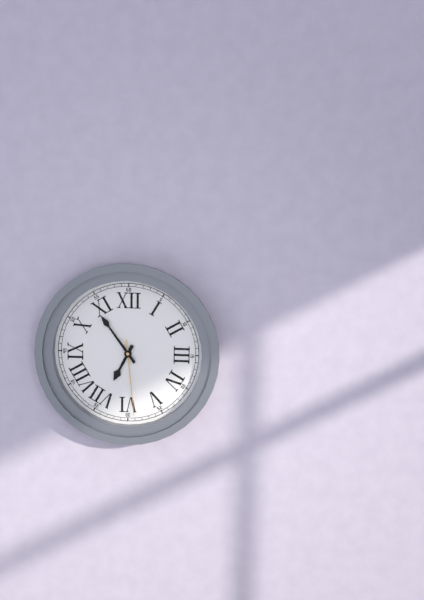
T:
**6:54:29**
